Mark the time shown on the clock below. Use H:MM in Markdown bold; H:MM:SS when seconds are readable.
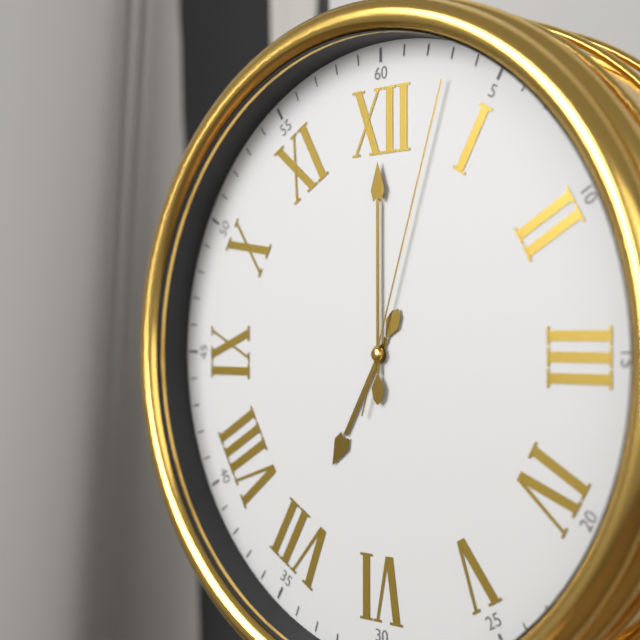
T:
**7:00:03**
